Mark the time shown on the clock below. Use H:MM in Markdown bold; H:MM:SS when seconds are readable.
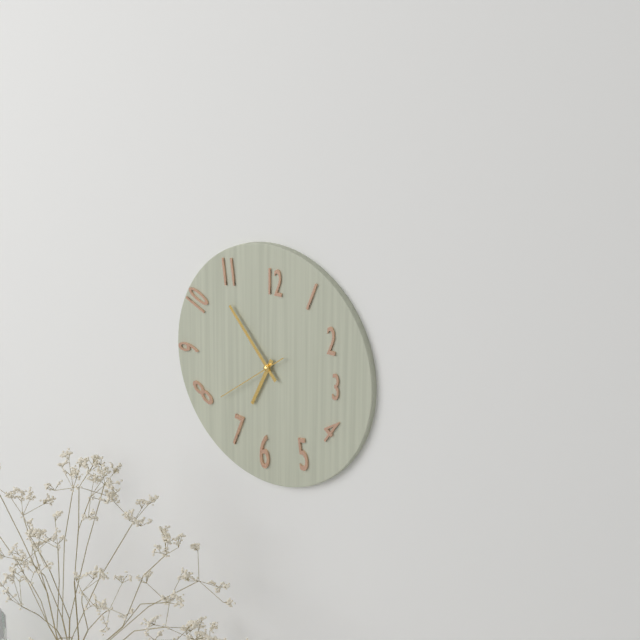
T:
**6:53:39**
